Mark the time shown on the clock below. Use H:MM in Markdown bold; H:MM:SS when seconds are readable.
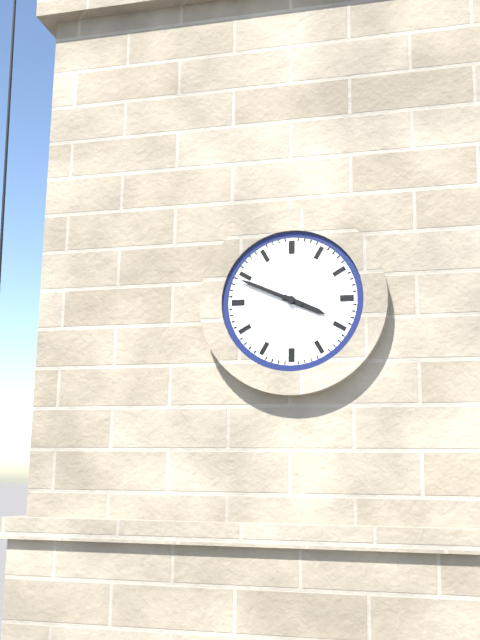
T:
**3:49**
